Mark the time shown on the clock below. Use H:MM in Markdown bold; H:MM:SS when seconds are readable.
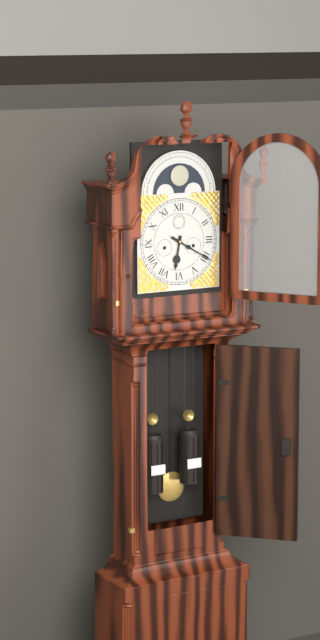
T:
**6:20**
